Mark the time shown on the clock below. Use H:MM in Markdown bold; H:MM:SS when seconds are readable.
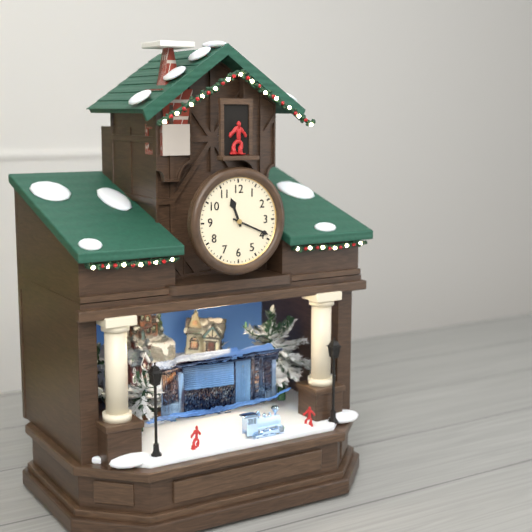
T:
**11:19**
